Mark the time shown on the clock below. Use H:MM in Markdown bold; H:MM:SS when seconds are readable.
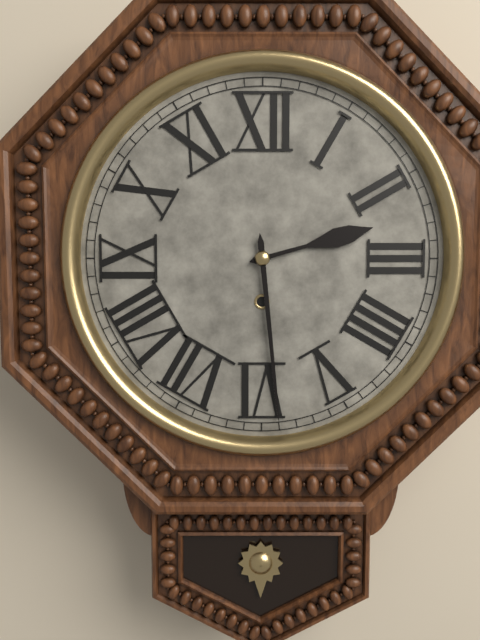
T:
**2:29**
